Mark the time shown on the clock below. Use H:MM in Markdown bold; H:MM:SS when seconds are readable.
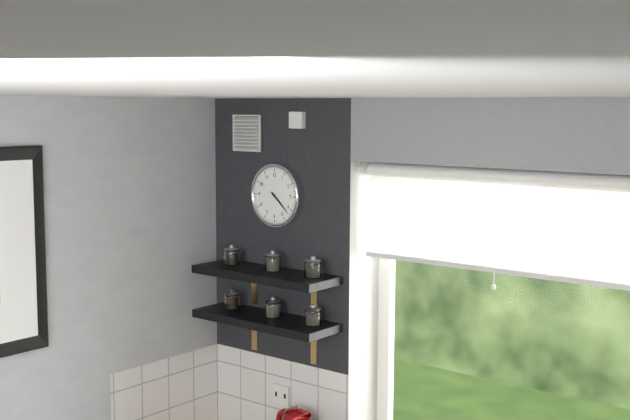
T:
**4:22**
